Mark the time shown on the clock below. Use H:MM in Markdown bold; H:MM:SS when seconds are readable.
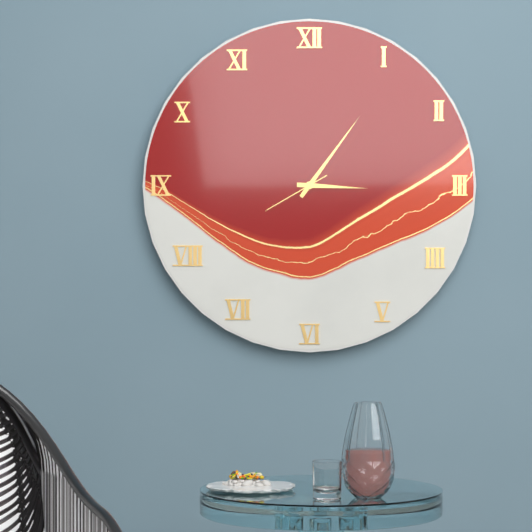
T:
**3:06:40**
